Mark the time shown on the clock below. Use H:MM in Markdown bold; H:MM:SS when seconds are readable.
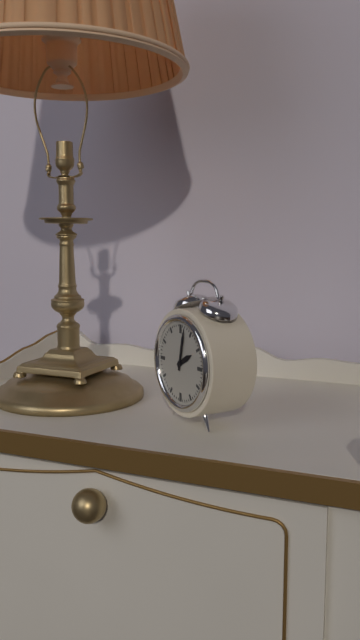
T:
**2:02**
